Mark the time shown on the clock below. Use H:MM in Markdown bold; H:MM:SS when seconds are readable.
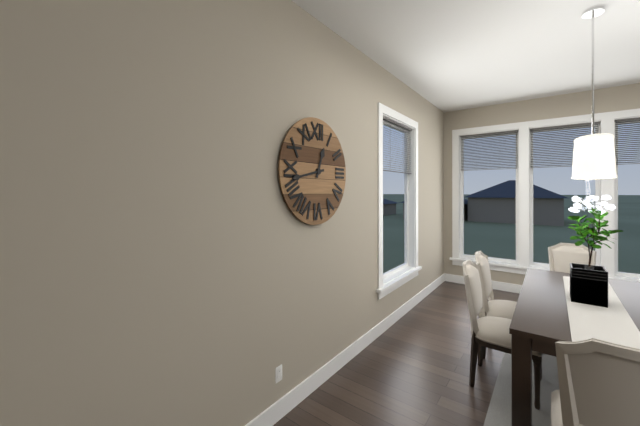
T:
**12:43**
